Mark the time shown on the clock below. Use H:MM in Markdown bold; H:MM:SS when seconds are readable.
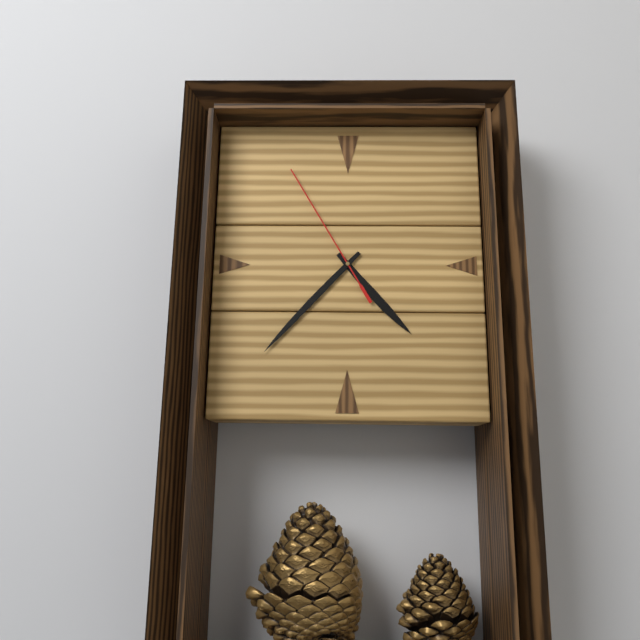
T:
**4:37:55**
